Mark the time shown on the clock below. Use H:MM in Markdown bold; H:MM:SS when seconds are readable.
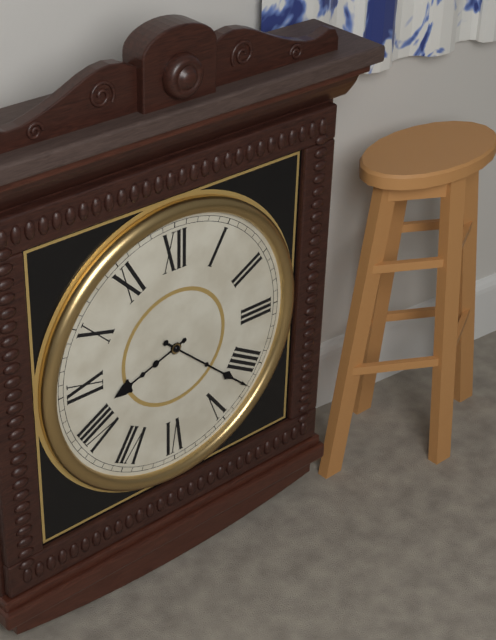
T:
**8:22**
